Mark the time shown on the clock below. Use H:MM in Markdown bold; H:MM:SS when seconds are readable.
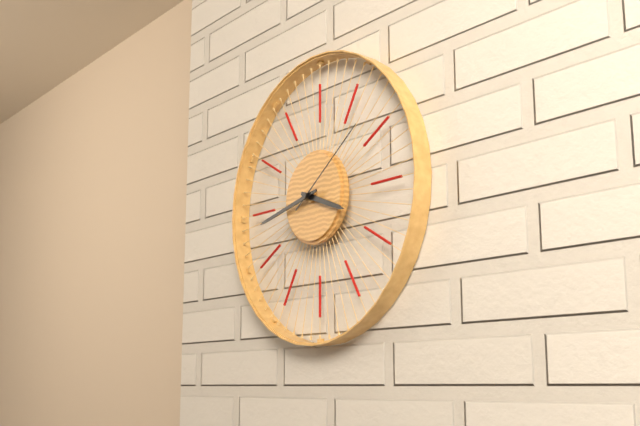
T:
**3:43:09**
